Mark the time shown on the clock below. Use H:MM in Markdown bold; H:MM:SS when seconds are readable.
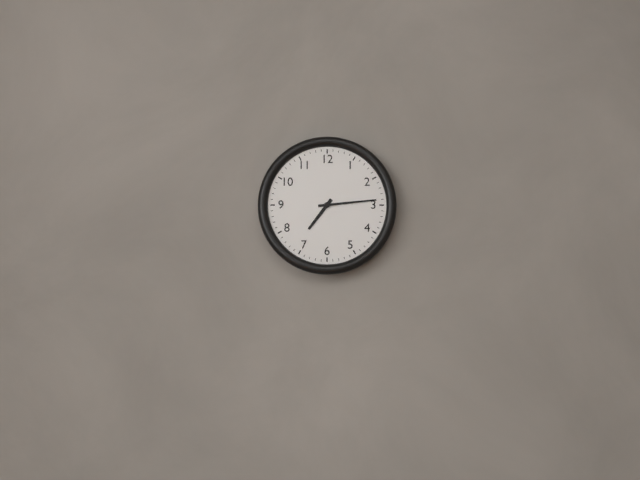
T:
**7:14**
